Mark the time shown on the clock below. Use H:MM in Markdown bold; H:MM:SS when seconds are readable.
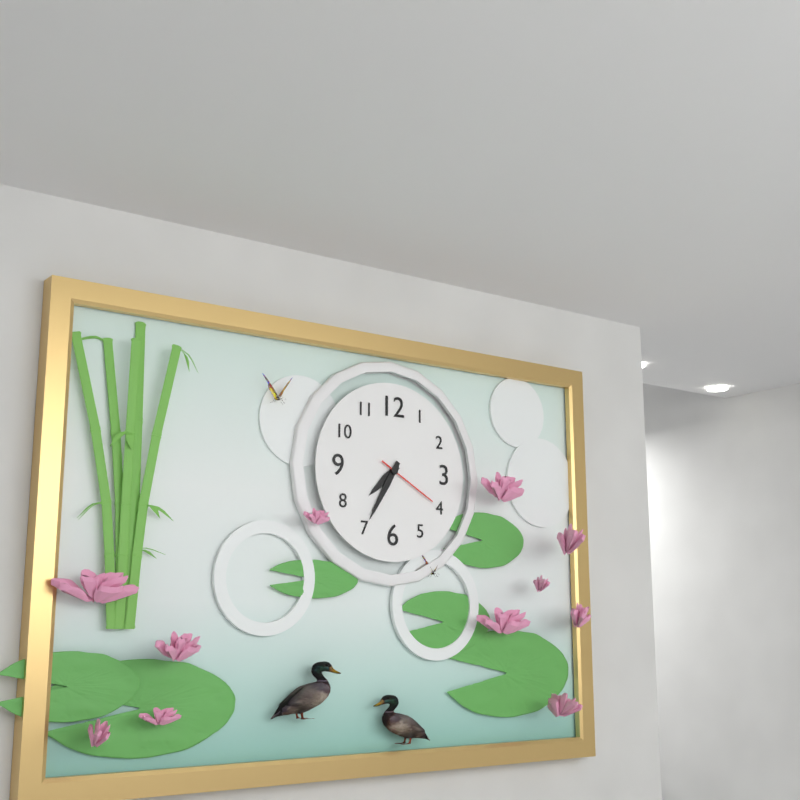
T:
**7:35:20**
